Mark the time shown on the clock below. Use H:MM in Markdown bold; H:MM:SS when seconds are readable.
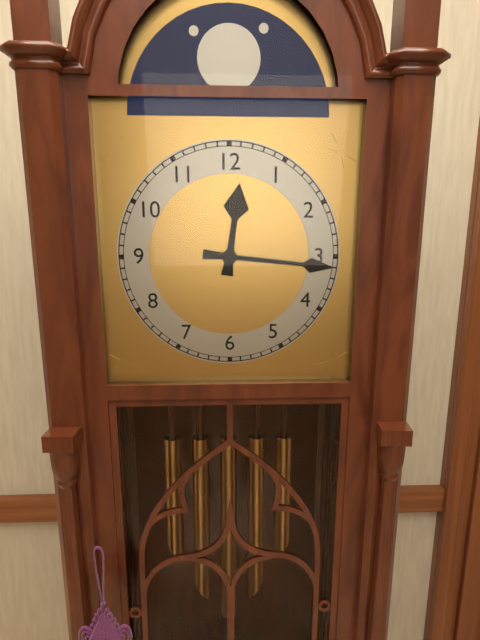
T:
**12:16**
